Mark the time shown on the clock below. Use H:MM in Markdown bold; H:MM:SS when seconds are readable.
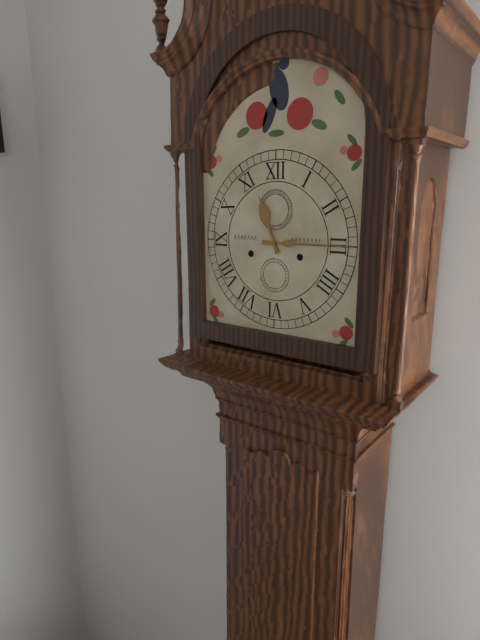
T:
**11:15**
